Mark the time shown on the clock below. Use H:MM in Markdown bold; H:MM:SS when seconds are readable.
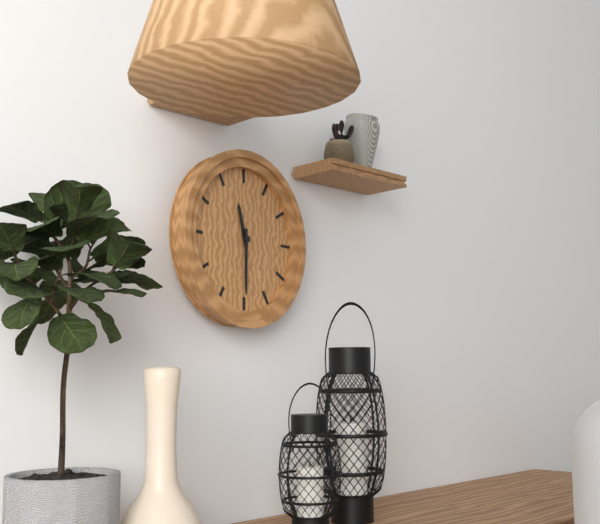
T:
**11:30**
